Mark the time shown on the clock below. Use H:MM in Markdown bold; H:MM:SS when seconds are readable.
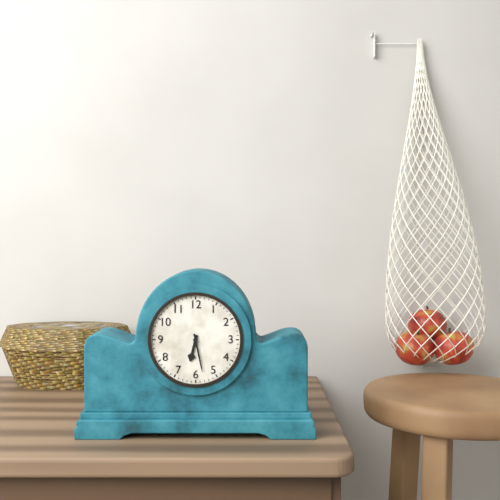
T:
**6:28**
